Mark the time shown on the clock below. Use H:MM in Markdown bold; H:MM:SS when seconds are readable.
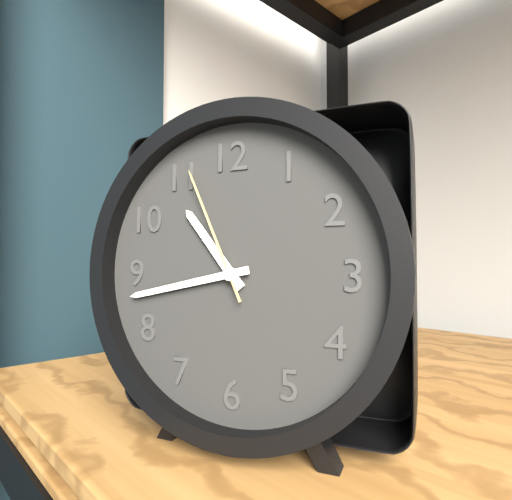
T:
**10:43:56**
